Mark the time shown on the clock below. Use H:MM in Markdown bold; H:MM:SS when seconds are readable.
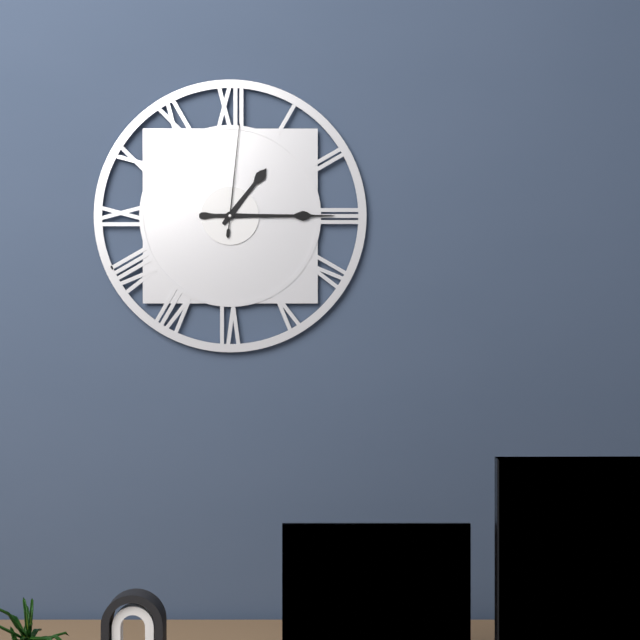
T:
**1:15:01**
